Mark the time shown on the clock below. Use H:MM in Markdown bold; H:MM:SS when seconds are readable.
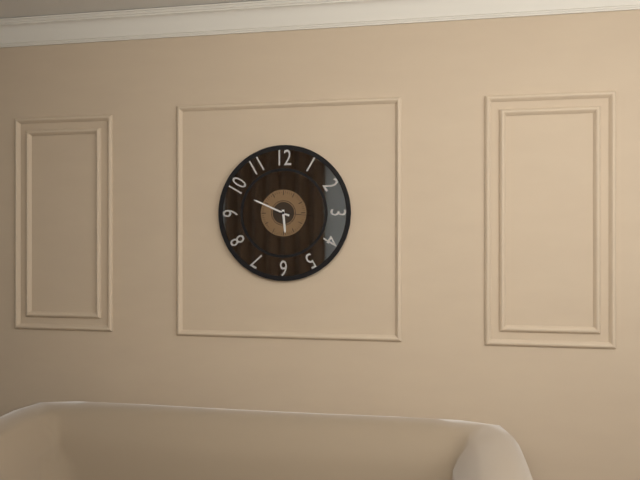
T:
**5:49**
